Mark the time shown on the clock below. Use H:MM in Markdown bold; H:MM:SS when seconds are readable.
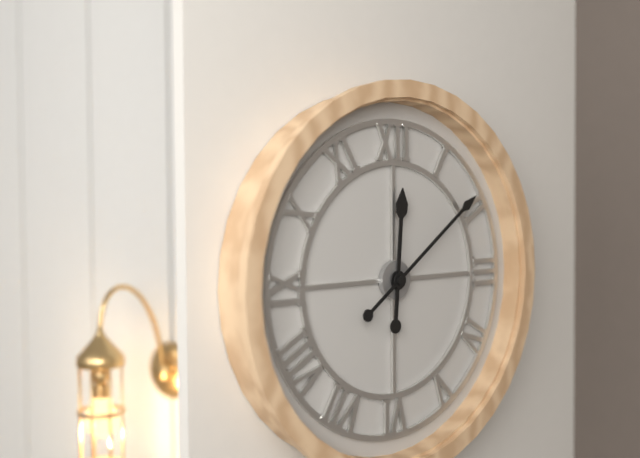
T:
**12:09**
